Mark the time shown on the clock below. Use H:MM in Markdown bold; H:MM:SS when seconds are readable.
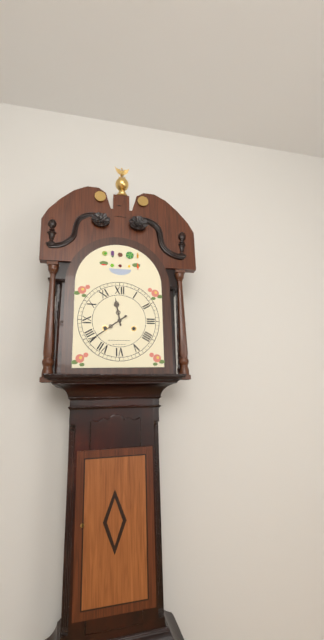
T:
**11:39**
